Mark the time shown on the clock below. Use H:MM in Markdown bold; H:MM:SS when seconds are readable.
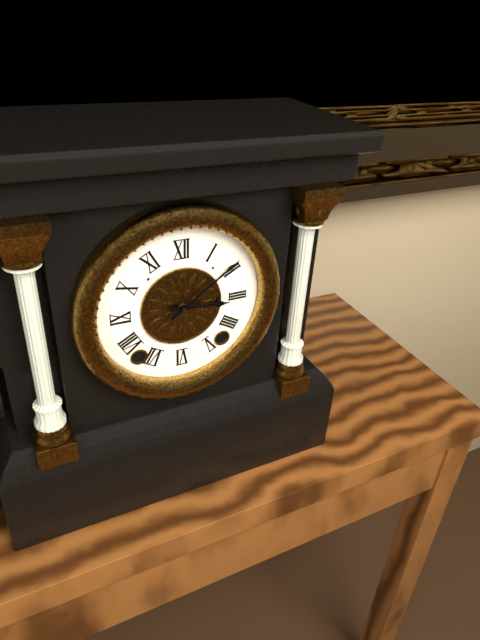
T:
**3:09**
